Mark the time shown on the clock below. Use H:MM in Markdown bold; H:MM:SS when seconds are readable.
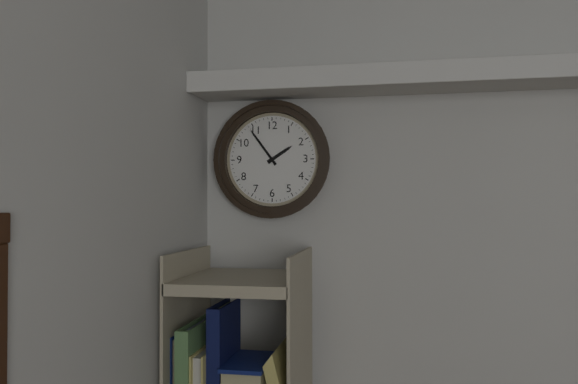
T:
**1:54**
